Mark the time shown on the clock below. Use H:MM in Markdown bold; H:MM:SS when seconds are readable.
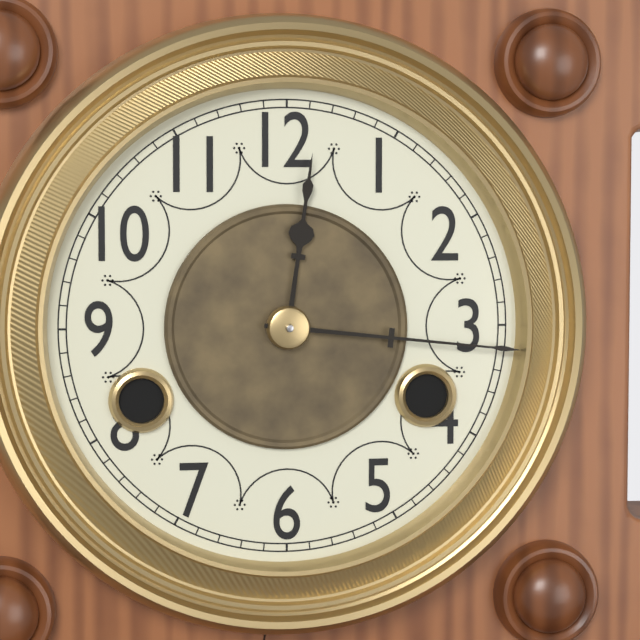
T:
**12:16**
